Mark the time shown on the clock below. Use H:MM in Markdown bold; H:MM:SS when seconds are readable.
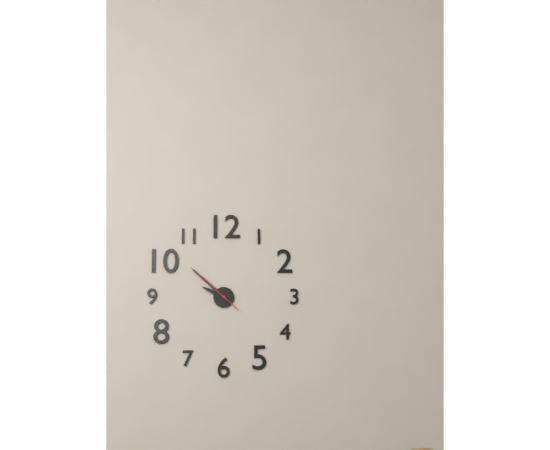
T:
**9:52**
